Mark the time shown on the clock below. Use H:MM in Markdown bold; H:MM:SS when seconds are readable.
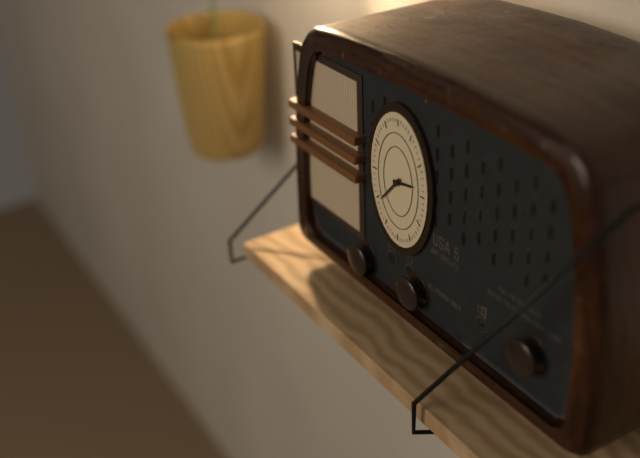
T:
**2:37**
